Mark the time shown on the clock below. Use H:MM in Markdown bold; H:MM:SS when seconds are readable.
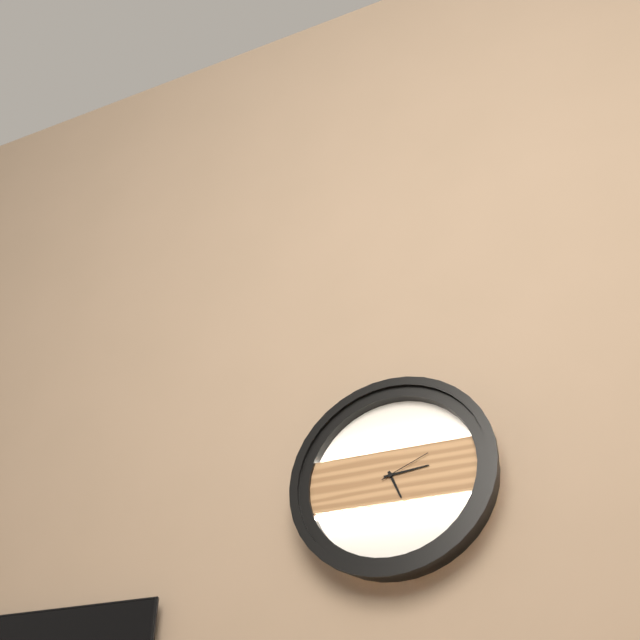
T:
**5:14:11**
